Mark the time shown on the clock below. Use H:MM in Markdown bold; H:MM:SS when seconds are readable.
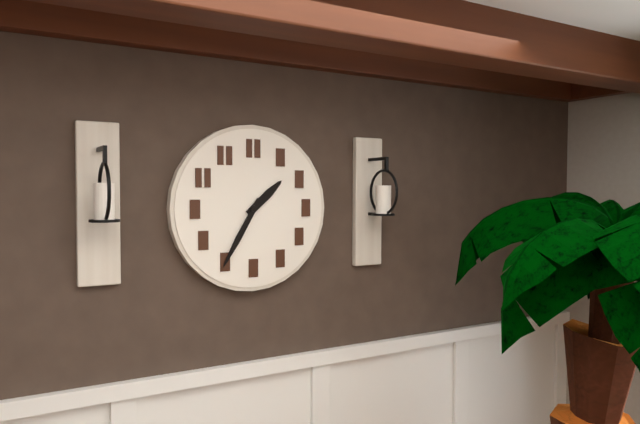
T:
**1:35**
